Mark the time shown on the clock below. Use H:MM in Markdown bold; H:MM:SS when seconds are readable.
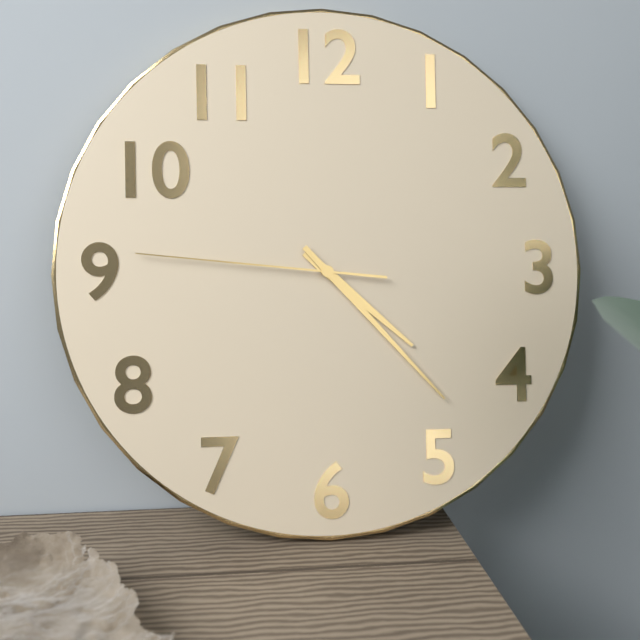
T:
**4:23:46**
